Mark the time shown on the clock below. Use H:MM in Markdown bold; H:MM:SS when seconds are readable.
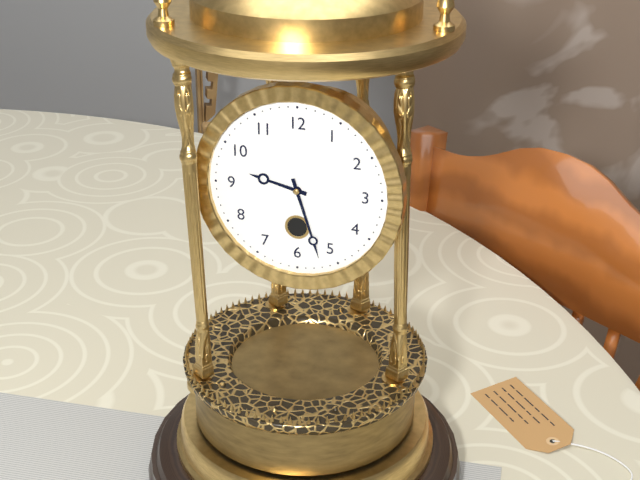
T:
**9:27**
